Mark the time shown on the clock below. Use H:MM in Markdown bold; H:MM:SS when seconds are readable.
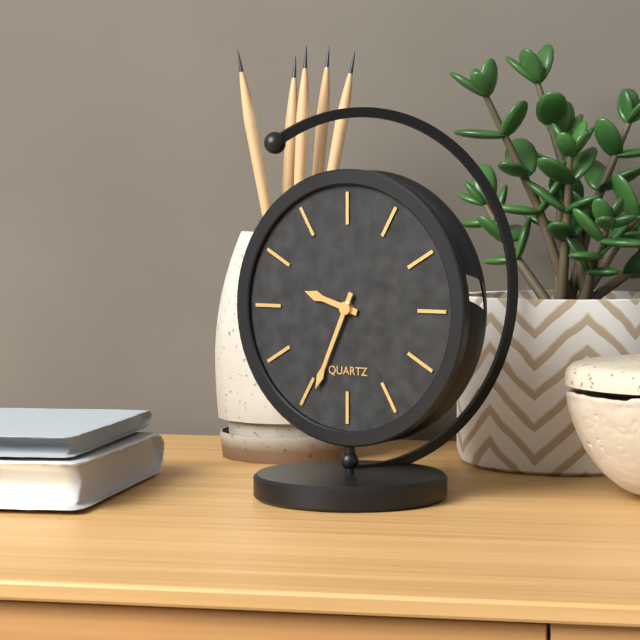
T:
**9:34**
